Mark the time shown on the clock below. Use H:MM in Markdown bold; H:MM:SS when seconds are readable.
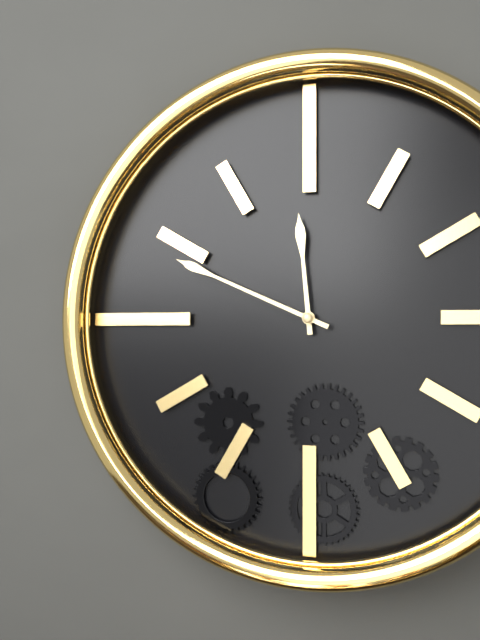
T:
**11:49**
